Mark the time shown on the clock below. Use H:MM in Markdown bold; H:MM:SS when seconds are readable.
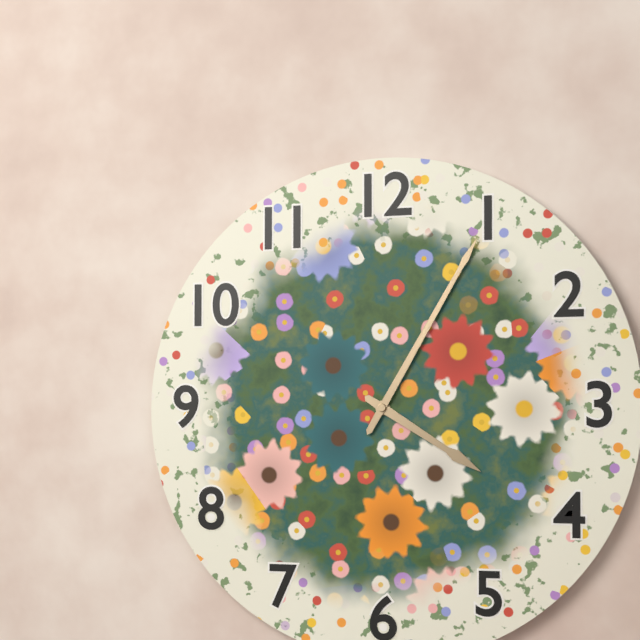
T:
**4:05**
